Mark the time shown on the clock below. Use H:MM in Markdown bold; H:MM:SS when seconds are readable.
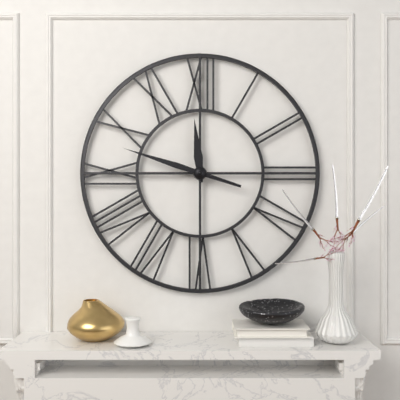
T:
**11:48**
